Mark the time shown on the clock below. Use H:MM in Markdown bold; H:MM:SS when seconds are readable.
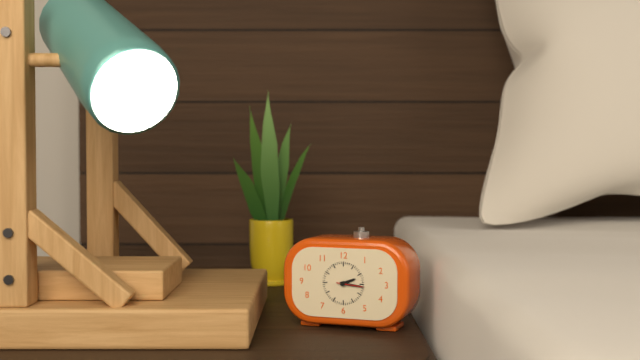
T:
**2:16**
